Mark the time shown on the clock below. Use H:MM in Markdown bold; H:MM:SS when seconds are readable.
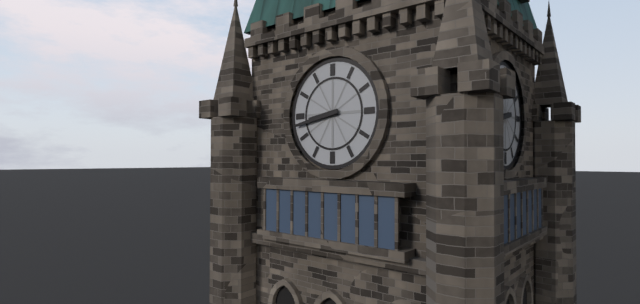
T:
**8:43**
